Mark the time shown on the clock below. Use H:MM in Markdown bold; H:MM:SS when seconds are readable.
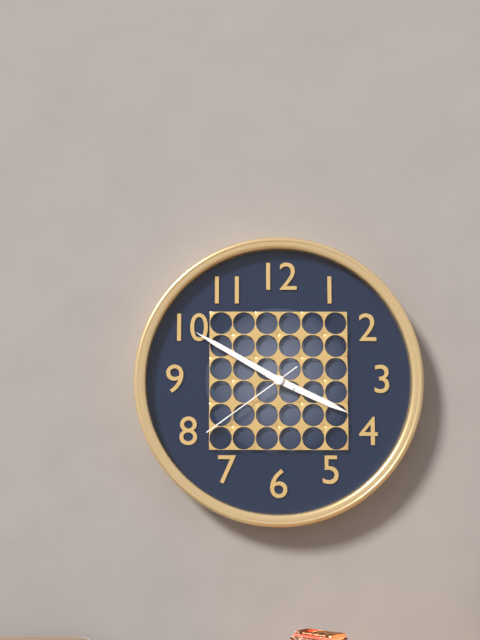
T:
**3:50:39**
